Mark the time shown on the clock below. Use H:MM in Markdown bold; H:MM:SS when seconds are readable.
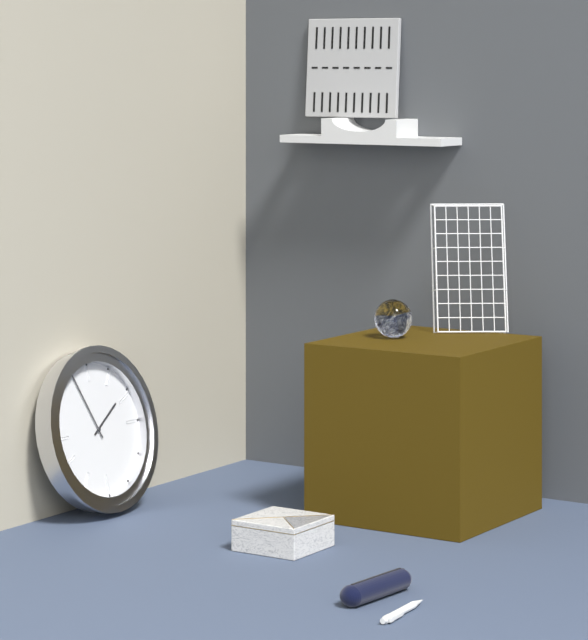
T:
**1:56**
